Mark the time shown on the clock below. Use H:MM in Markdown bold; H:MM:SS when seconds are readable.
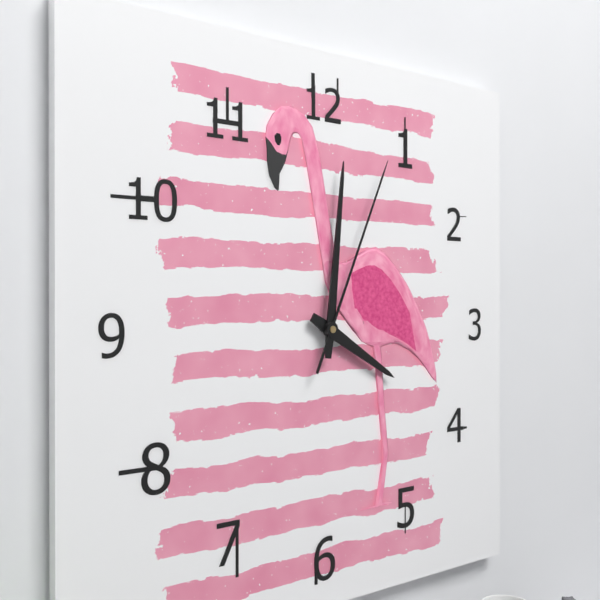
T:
**4:01:04**
